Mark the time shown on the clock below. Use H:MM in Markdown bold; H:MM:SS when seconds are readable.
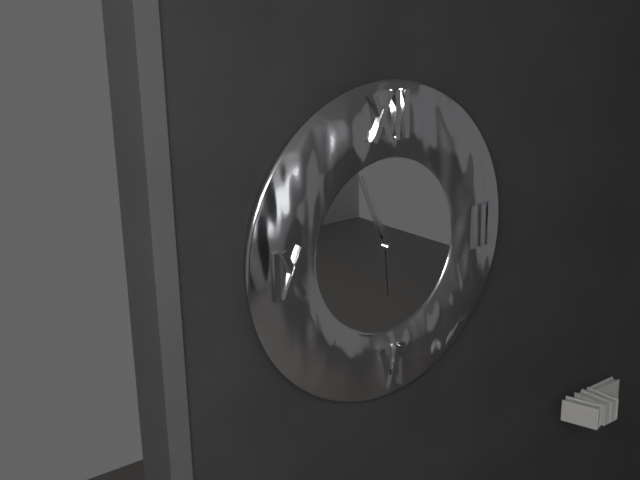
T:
**5:56**
